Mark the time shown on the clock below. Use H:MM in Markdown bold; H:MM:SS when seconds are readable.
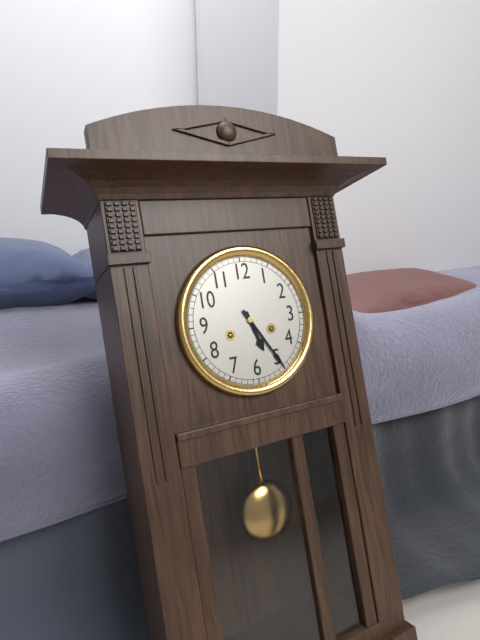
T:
**5:25**
